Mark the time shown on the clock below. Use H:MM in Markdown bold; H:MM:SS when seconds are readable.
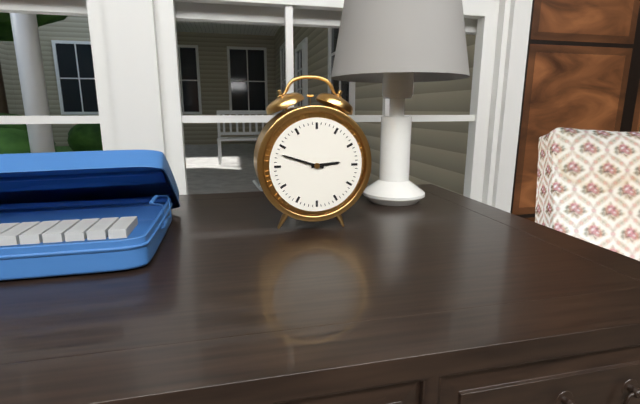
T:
**2:48**
